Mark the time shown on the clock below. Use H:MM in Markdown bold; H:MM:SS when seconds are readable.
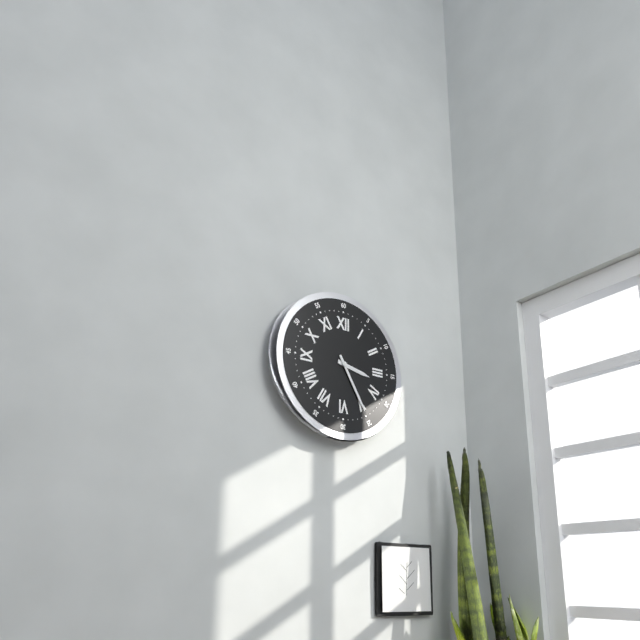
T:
**3:25**
